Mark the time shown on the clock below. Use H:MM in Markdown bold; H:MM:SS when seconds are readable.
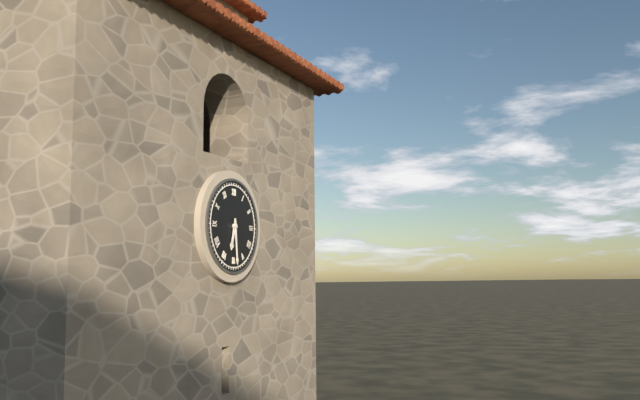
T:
**6:29**
